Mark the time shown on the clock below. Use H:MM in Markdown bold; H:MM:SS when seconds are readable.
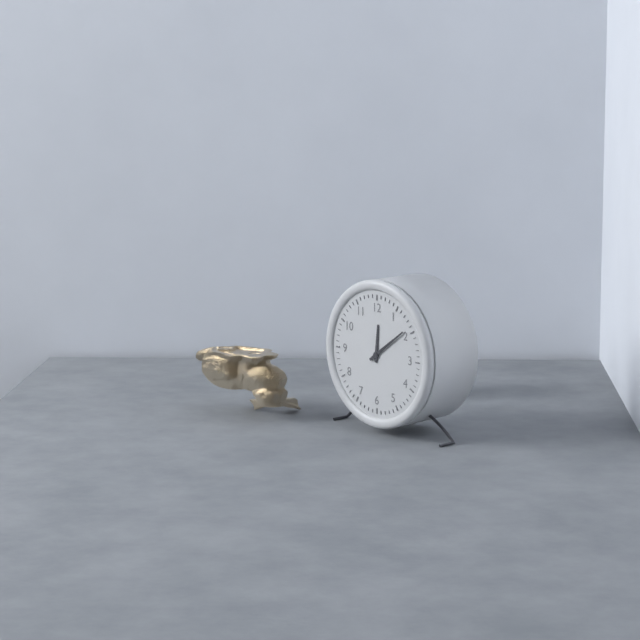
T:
**12:09**
